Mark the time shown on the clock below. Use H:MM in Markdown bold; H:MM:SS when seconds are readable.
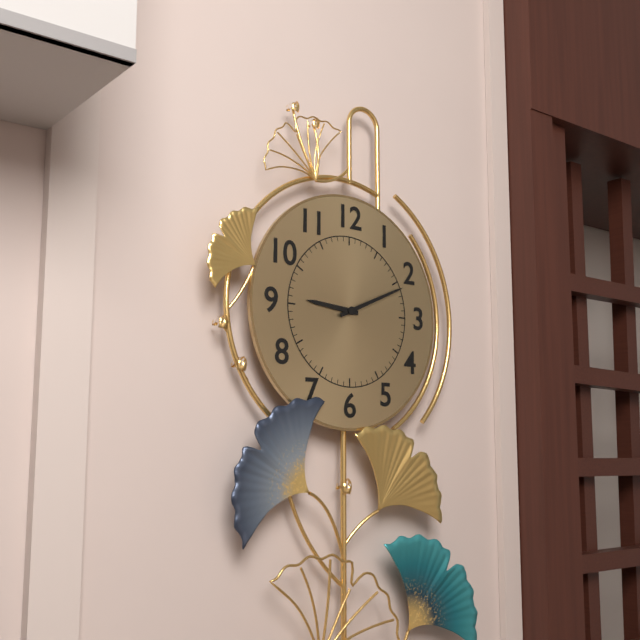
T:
**9:11**
